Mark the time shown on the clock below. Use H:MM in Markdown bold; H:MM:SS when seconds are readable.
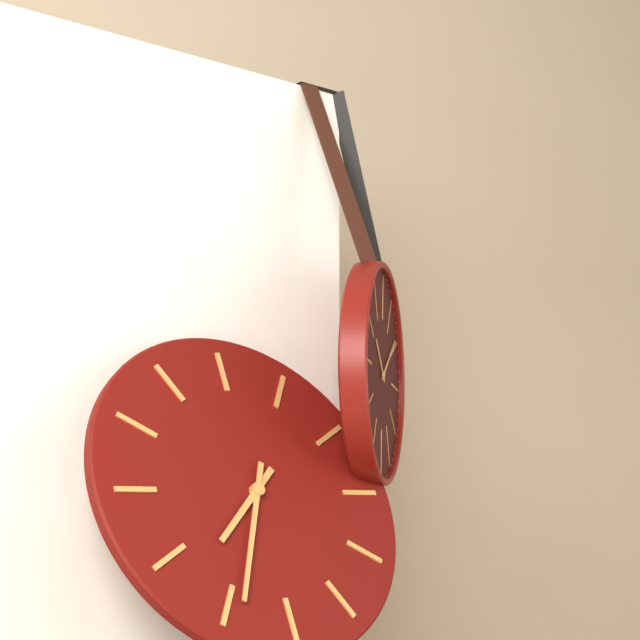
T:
**7:34**
